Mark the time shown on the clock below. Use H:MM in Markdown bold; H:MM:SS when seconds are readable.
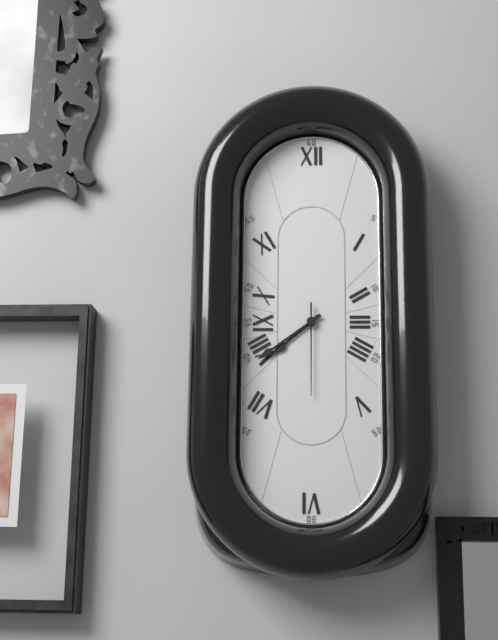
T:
**7:39:30**
